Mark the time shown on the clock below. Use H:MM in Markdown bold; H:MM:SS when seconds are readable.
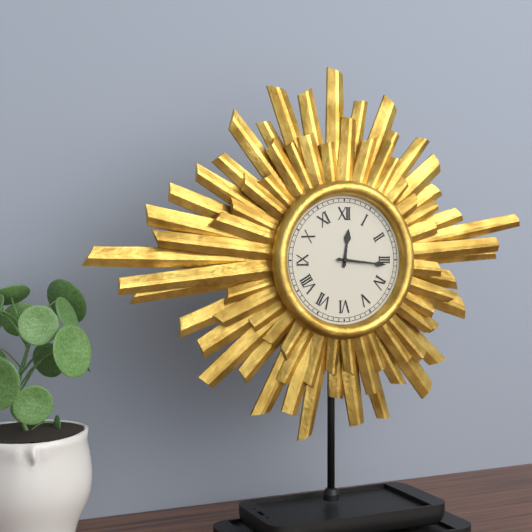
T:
**12:16**
